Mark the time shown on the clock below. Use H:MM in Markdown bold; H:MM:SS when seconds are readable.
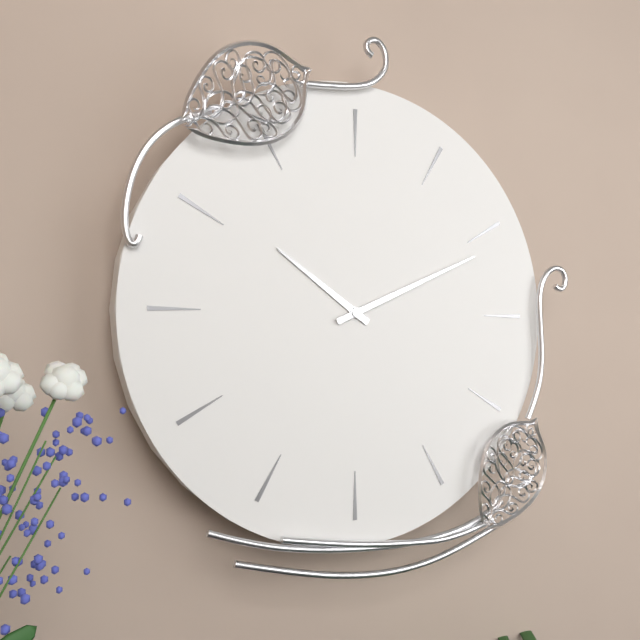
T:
**10:11**
